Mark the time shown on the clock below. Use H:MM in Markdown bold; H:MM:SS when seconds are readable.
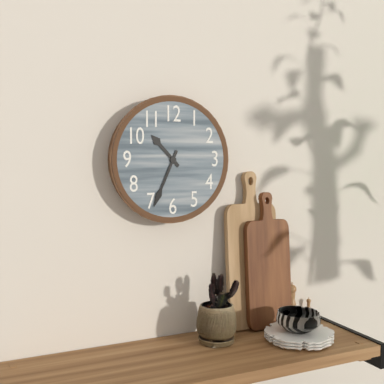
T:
**10:34**
